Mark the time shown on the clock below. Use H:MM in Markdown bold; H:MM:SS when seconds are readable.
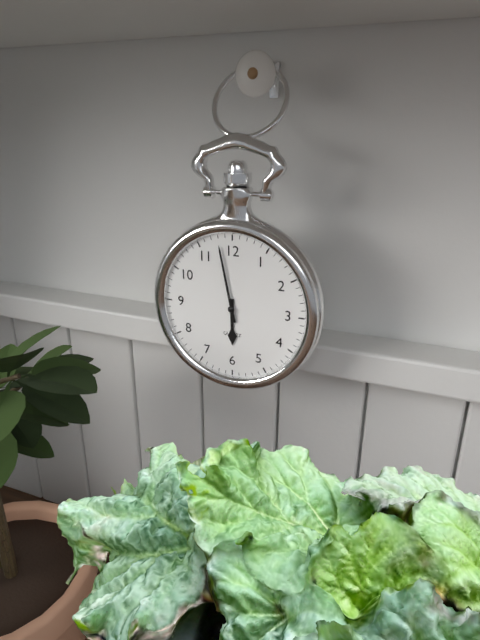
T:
**5:58**
